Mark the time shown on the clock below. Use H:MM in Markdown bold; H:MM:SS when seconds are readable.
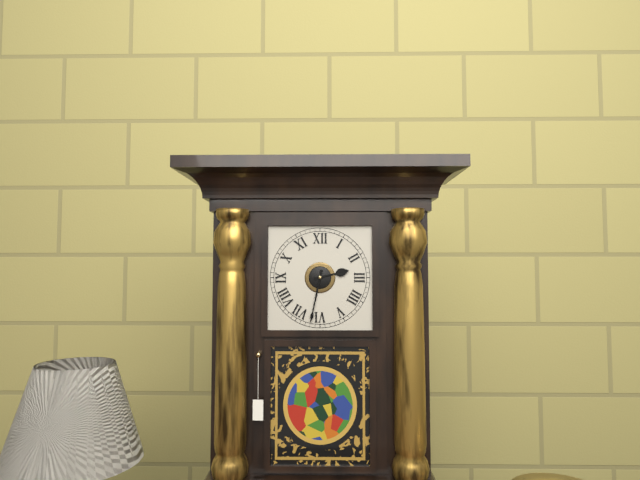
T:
**2:32**
